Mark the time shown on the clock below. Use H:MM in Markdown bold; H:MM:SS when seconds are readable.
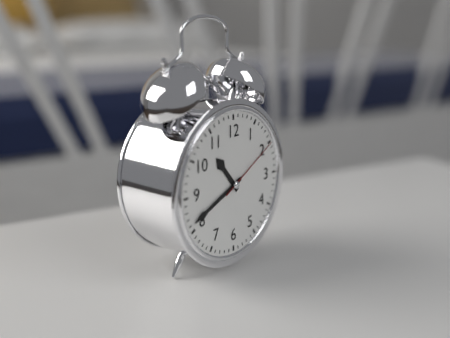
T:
**10:41:10**
